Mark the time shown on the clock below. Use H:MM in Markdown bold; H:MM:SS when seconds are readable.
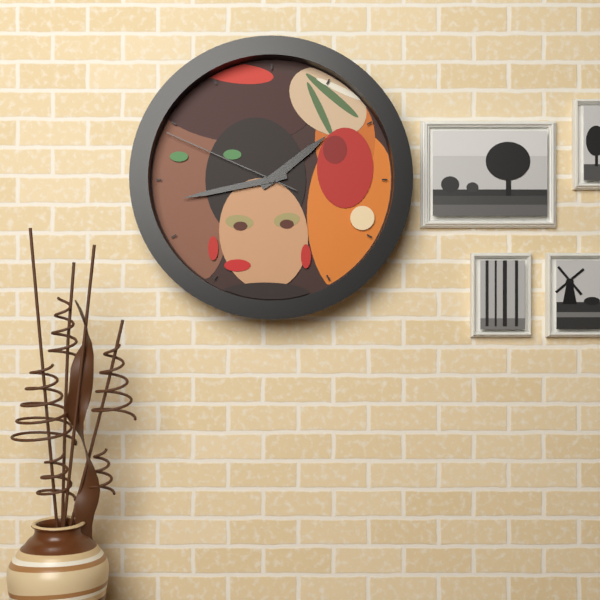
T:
**1:43:49**
